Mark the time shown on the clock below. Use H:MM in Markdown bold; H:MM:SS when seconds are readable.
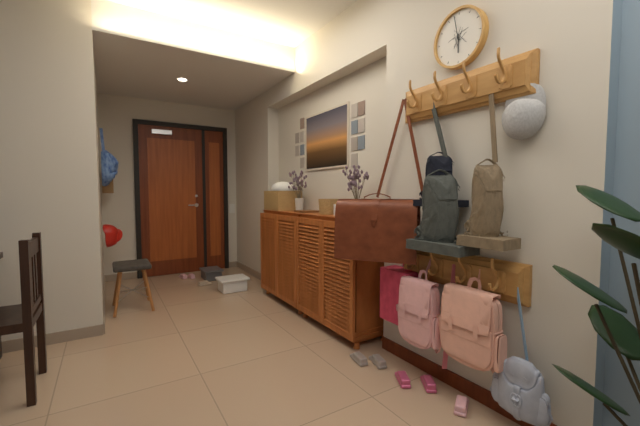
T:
**5:58**
